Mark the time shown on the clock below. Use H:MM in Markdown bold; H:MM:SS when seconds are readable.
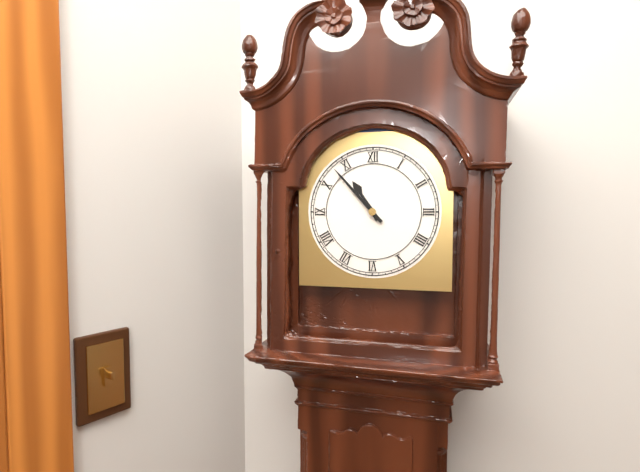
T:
**10:53**
